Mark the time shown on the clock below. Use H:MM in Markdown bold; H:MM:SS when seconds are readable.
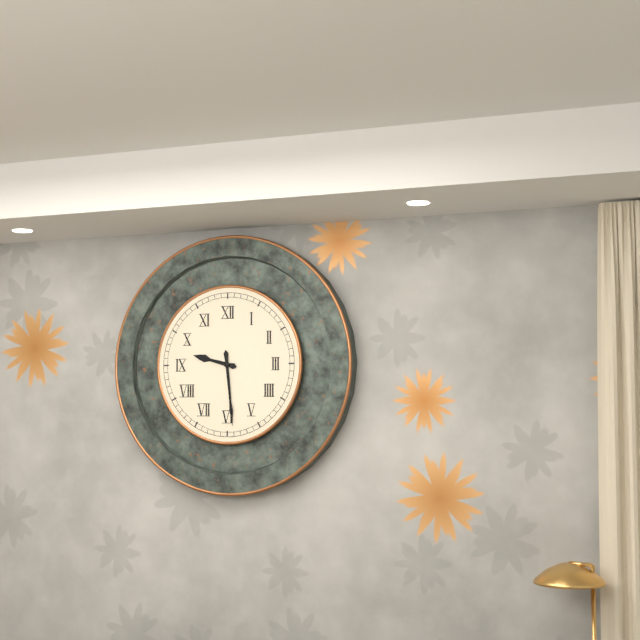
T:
**9:29**
